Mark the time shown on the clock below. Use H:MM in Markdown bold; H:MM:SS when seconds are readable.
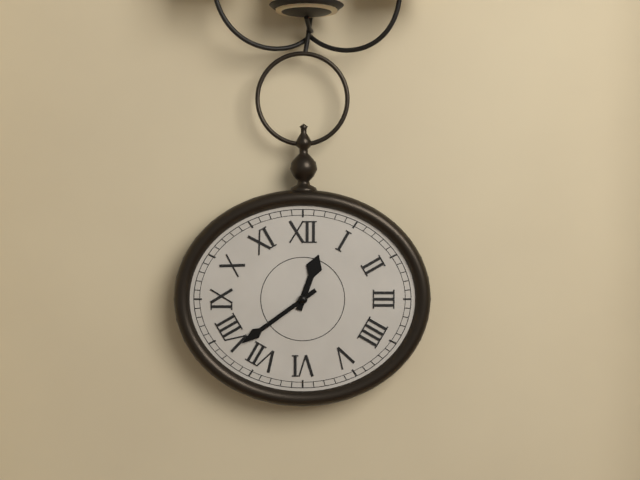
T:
**12:39**
